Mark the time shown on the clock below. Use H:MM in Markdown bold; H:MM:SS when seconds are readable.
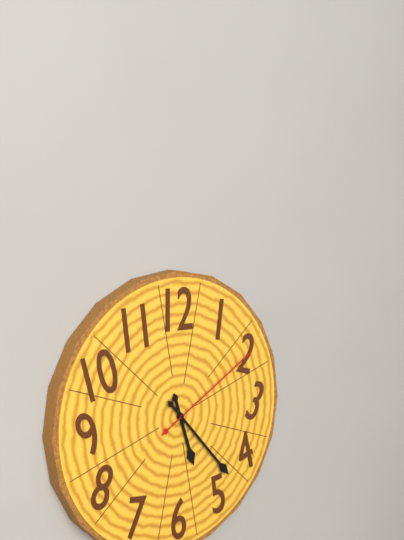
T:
**5:23:10**
